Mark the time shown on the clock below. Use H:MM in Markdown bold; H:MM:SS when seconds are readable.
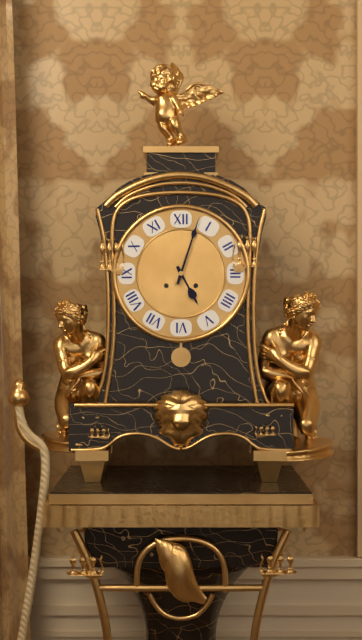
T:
**5:03**
